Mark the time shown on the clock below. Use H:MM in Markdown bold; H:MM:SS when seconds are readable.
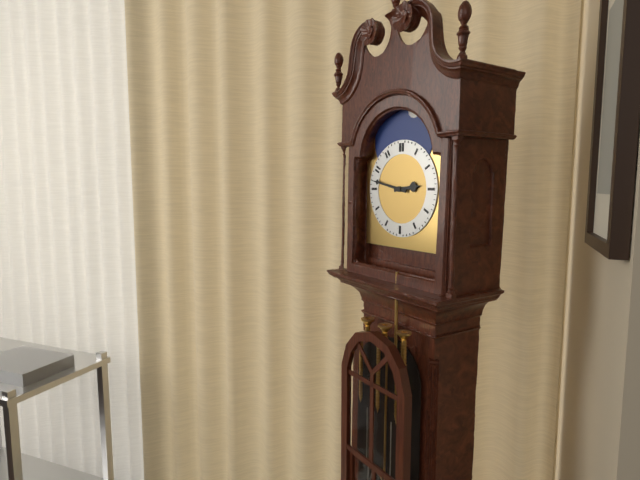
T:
**2:47**
